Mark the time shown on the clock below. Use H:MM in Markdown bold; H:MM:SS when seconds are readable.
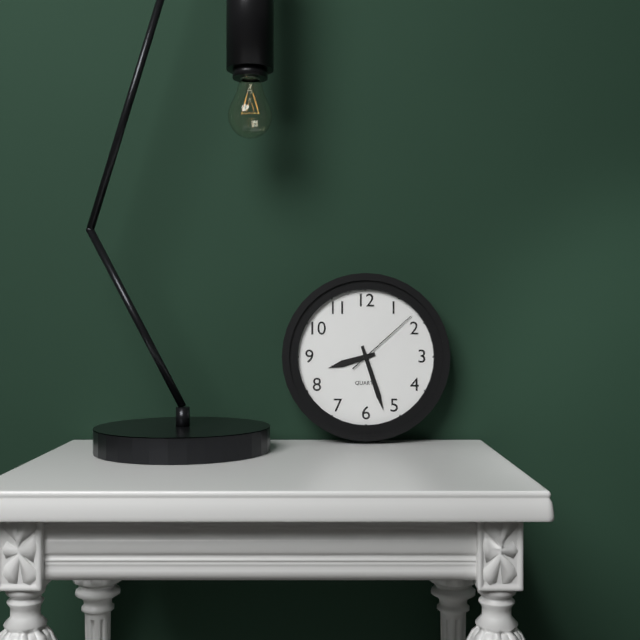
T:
**8:27:08**
